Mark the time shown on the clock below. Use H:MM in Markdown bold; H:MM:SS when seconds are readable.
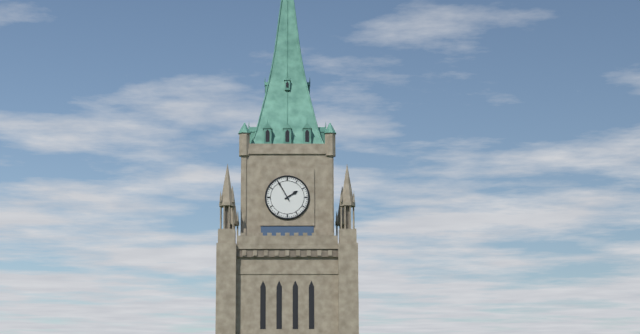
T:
**1:55**
